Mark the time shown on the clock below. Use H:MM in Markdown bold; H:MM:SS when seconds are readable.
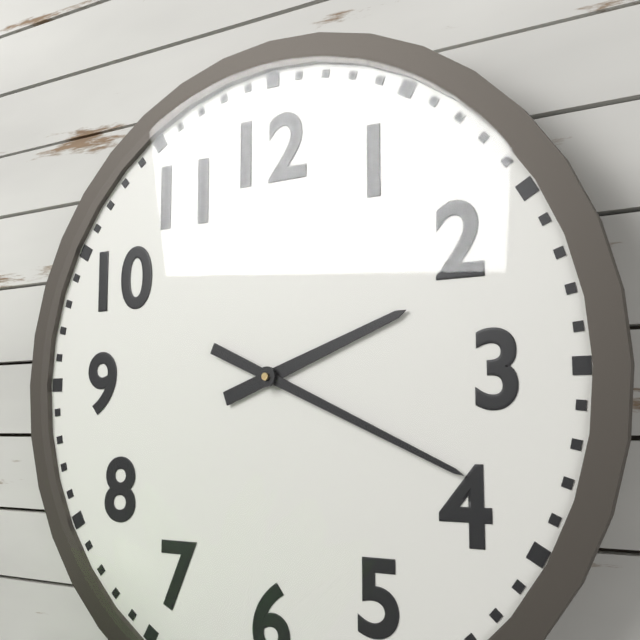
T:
**2:19**
